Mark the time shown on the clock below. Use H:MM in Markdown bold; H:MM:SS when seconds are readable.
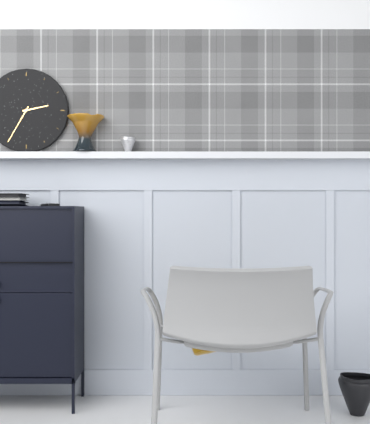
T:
**2:35**
